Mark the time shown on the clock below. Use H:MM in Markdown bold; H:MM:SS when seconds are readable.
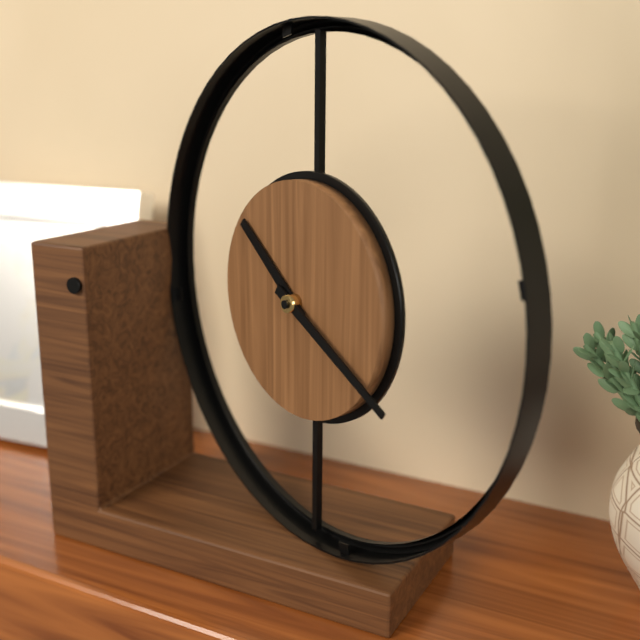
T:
**10:20**
